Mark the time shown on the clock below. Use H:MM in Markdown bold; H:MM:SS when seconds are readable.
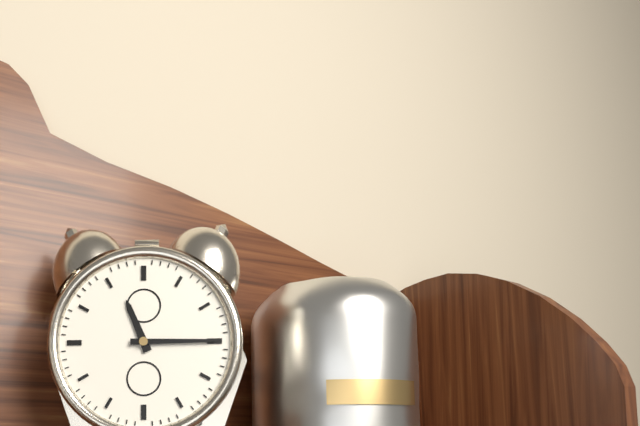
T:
**11:15**
